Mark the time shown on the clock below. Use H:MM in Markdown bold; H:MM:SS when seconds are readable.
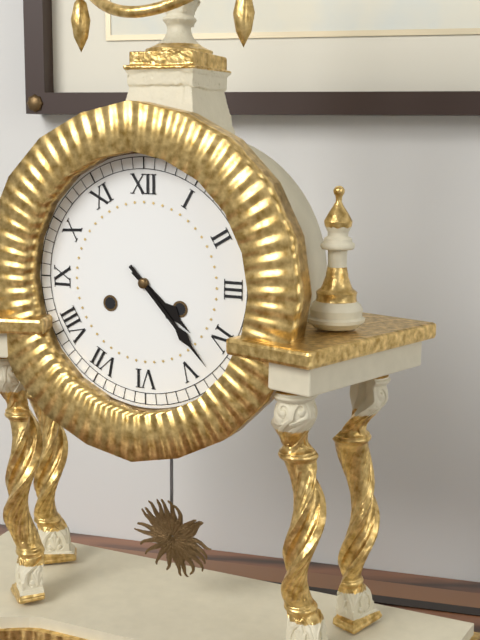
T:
**4:23**
